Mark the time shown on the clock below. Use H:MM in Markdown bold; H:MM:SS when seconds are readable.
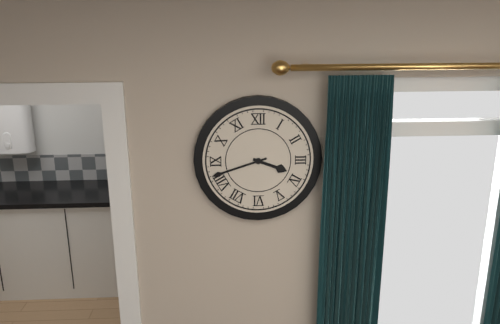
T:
**3:42**
